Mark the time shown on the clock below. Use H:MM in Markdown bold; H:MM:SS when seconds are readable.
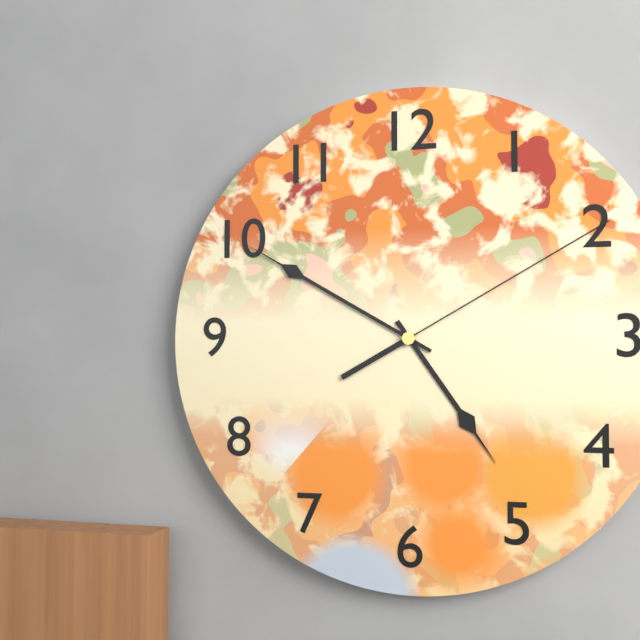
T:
**4:50:10**
